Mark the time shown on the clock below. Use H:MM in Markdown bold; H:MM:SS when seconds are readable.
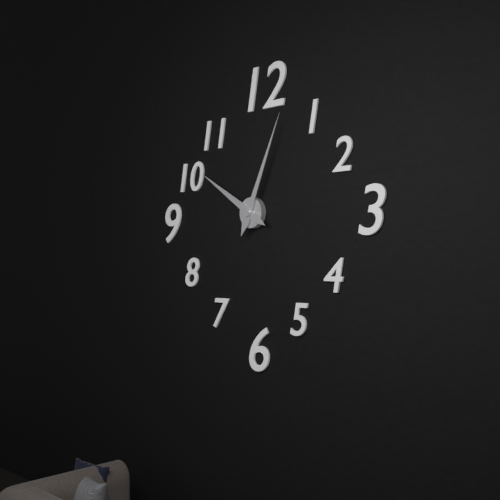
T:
**10:04**
